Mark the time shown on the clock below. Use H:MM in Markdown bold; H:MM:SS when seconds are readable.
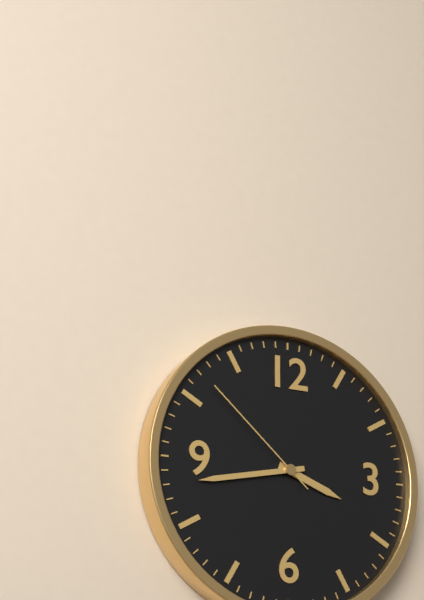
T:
**3:43:52**
